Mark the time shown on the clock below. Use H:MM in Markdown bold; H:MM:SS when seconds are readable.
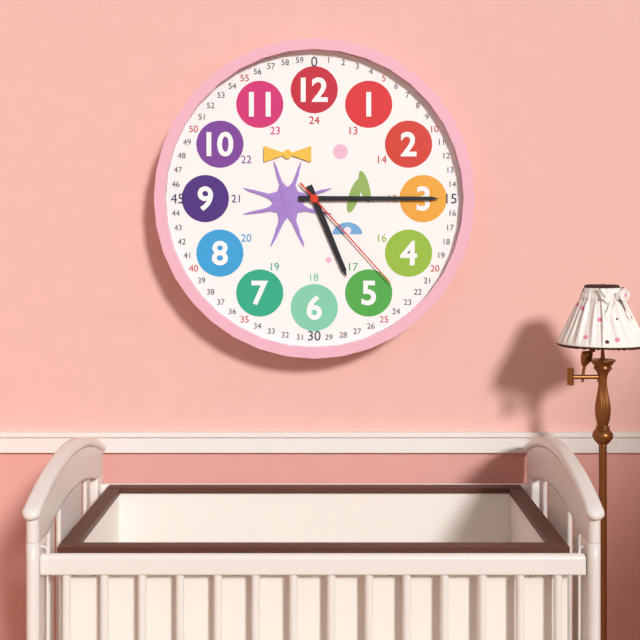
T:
**5:15:23**
